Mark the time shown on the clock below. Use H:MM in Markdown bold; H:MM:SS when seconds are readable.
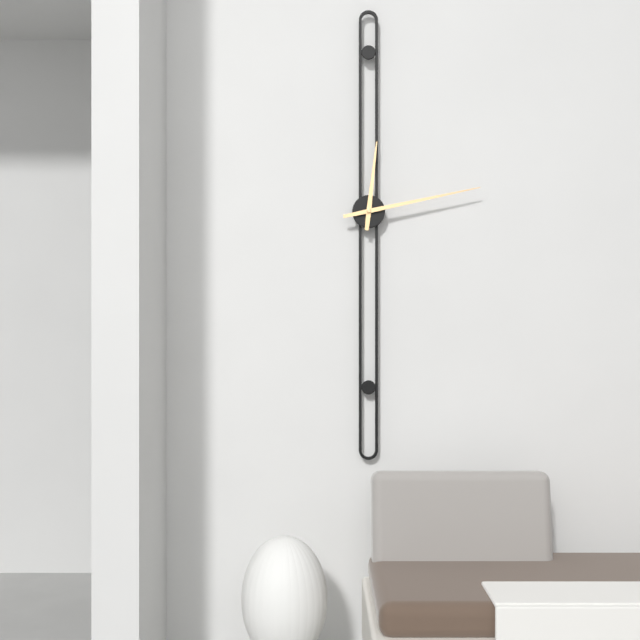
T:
**12:13**
